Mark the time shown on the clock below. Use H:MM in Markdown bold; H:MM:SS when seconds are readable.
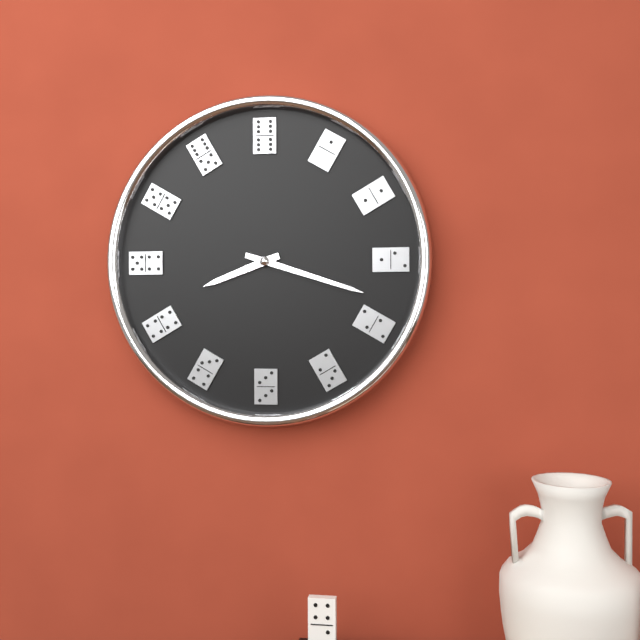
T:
**8:18**
